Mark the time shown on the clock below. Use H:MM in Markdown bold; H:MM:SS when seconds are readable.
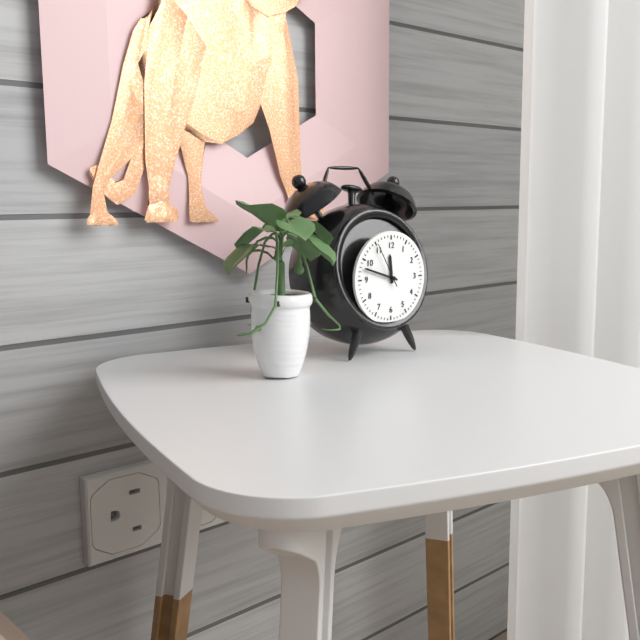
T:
**11:48**
